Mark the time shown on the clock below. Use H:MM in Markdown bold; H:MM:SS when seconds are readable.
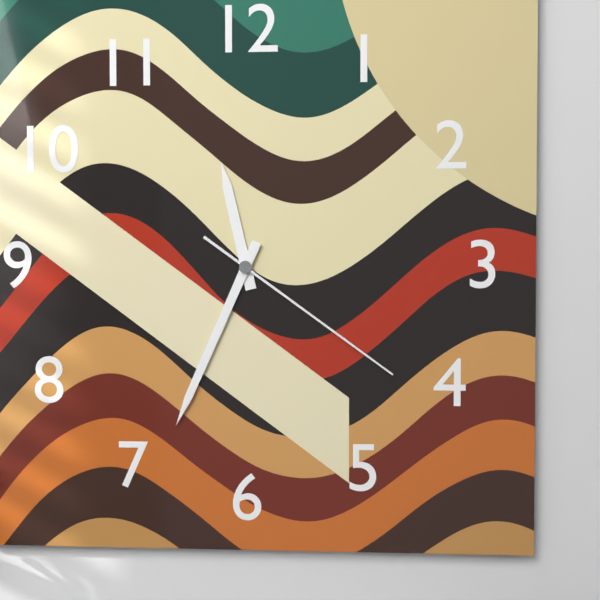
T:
**11:34:21**
